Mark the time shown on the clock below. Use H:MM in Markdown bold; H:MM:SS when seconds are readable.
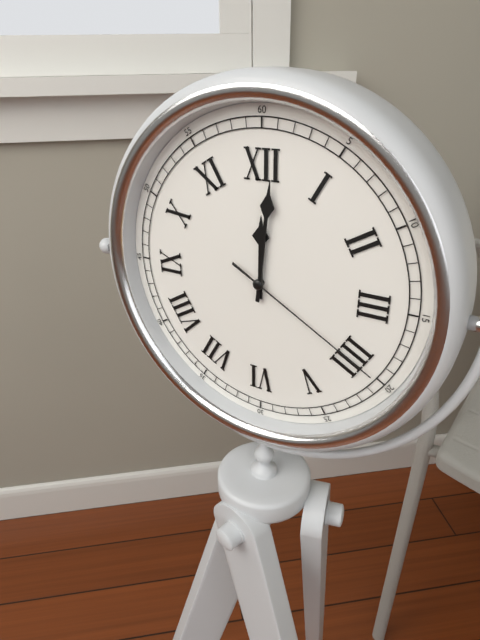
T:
**12:01:20**
